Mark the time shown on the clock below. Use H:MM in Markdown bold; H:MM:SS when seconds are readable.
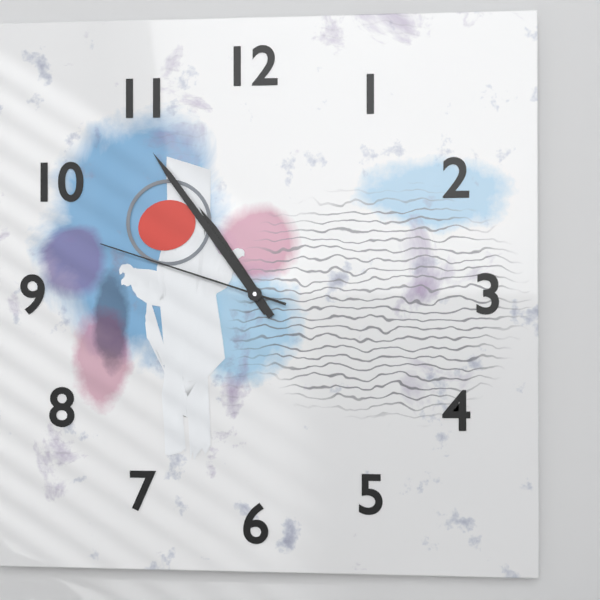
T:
**10:54:48**
